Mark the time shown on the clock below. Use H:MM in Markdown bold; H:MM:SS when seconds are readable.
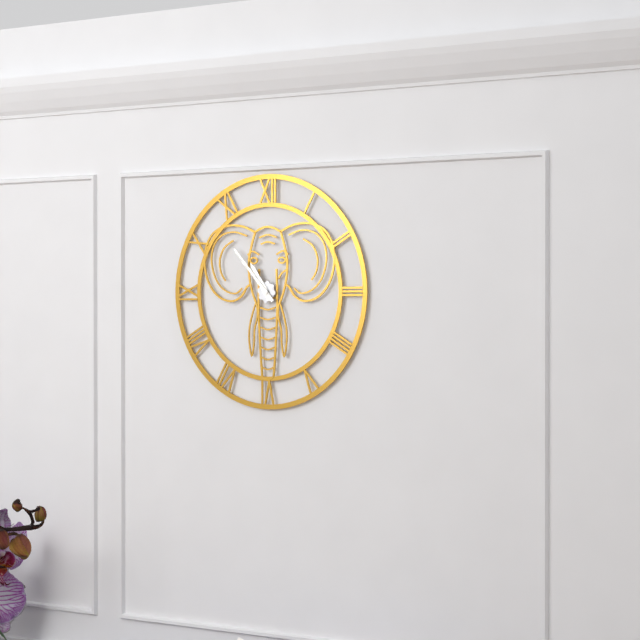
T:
**10:53**
